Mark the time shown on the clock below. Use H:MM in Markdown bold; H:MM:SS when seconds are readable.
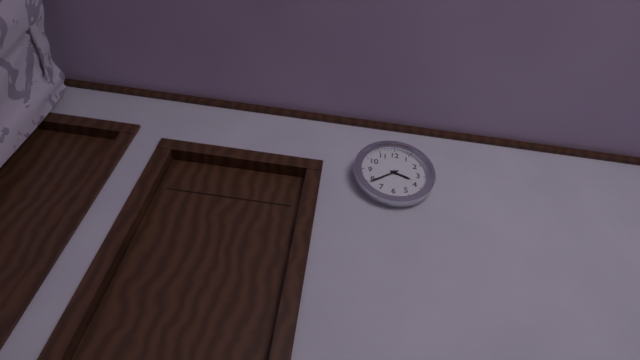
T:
**3:39**
